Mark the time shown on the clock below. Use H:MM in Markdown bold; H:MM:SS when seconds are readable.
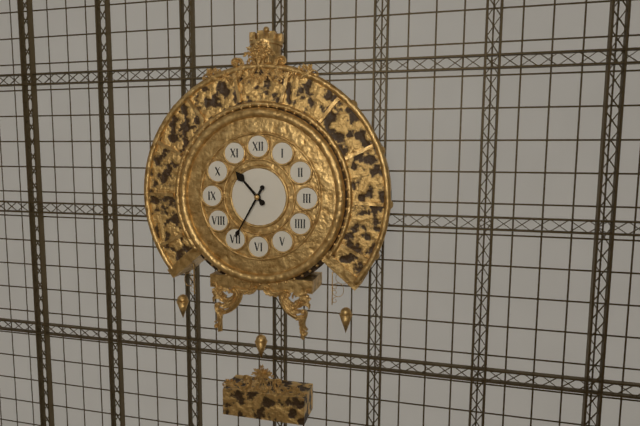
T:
**10:35**
